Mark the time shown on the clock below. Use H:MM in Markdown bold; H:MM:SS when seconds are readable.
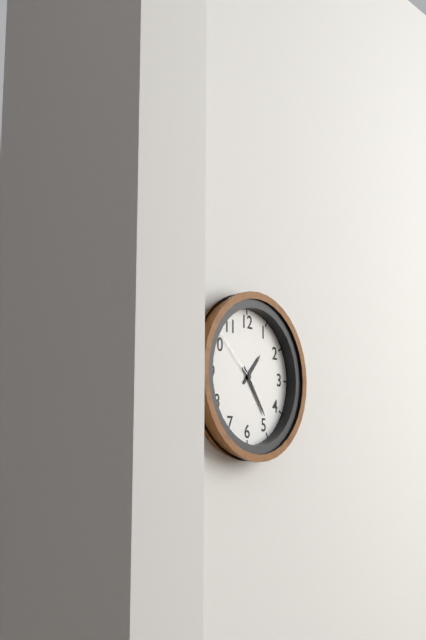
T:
**1:24:52**
